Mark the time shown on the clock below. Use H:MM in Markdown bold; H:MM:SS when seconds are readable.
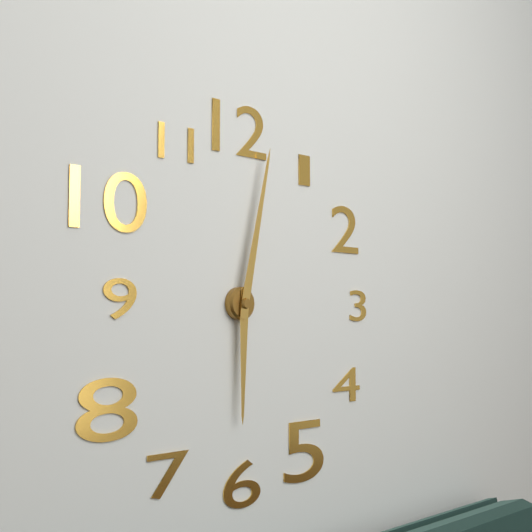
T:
**6:02**
